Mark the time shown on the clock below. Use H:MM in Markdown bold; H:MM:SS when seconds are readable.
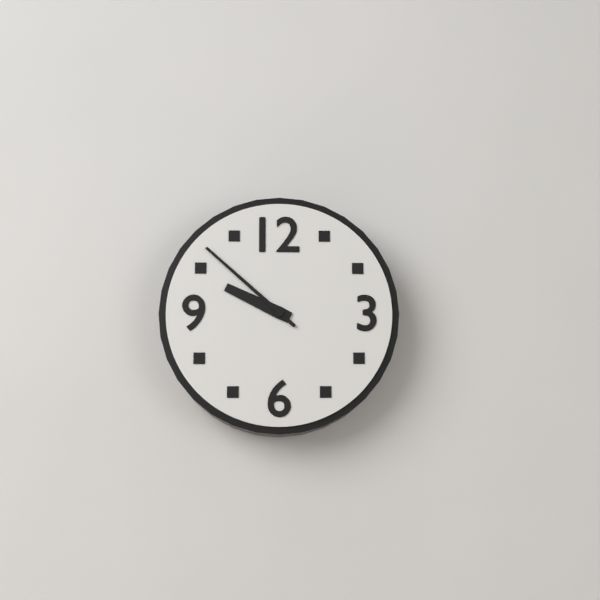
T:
**9:52**
